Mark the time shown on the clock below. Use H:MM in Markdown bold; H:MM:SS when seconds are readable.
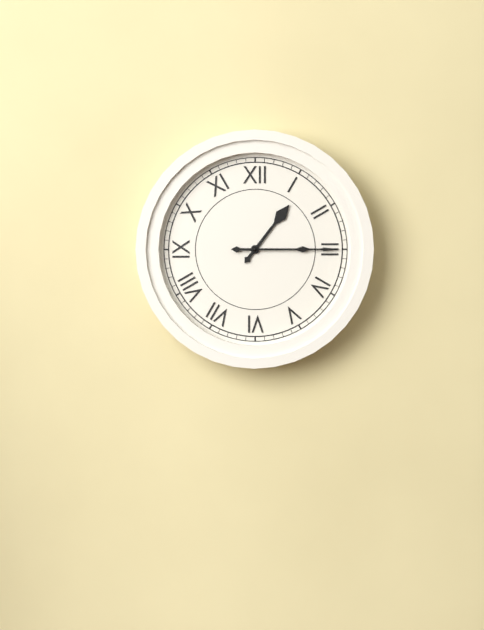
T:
**1:15**
